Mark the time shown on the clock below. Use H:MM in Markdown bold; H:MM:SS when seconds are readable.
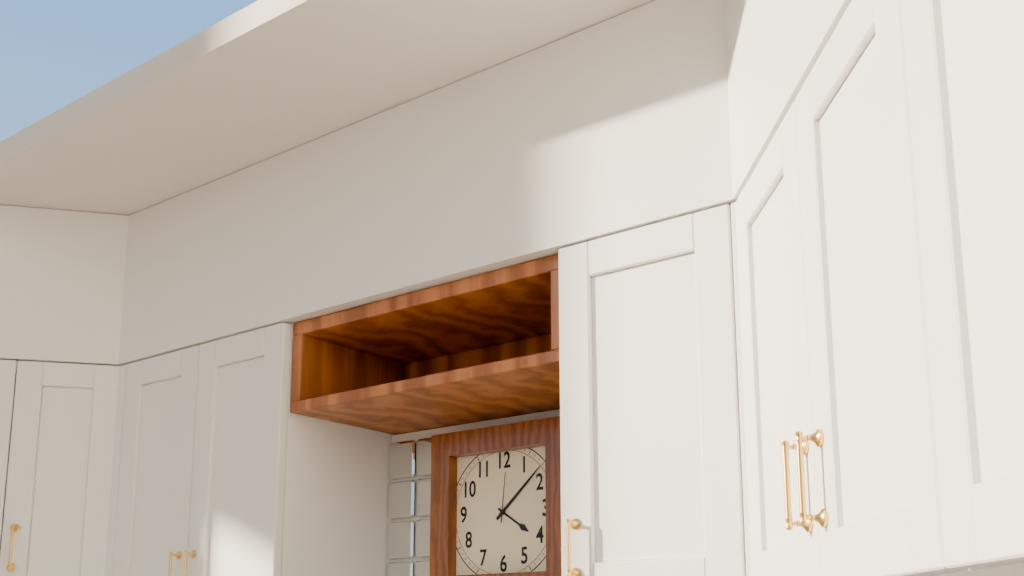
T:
**4:08**
